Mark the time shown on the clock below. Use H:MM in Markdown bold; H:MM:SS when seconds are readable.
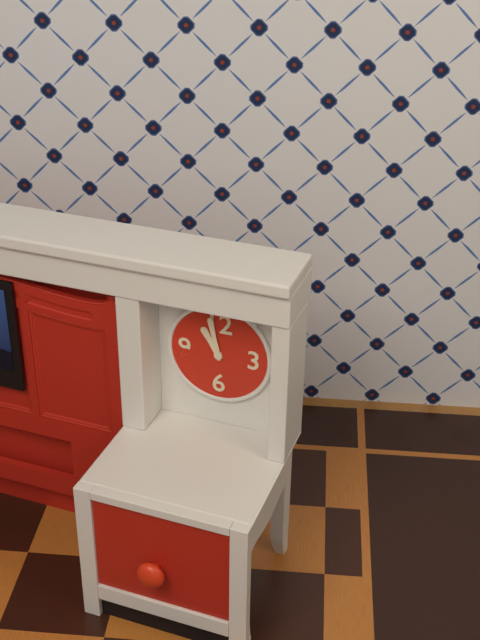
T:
**10:58**
